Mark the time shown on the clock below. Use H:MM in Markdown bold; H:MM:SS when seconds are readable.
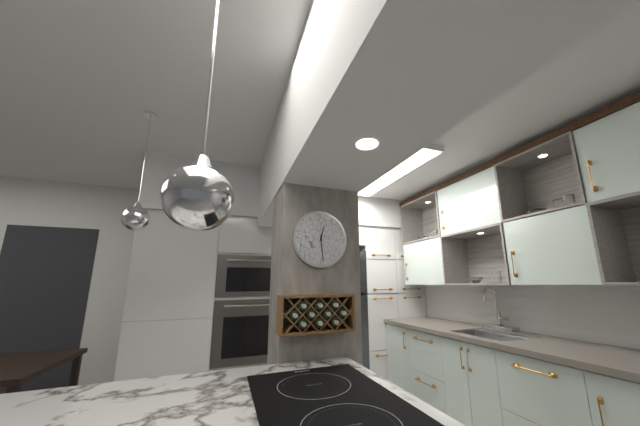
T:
**12:29**
